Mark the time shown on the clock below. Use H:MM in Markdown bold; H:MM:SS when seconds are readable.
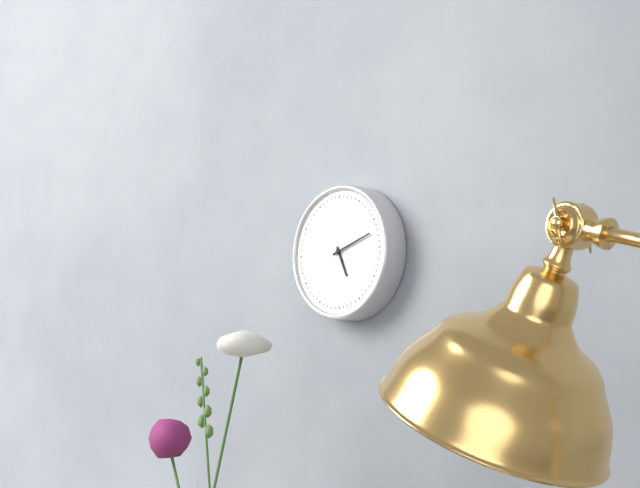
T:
**5:12**
